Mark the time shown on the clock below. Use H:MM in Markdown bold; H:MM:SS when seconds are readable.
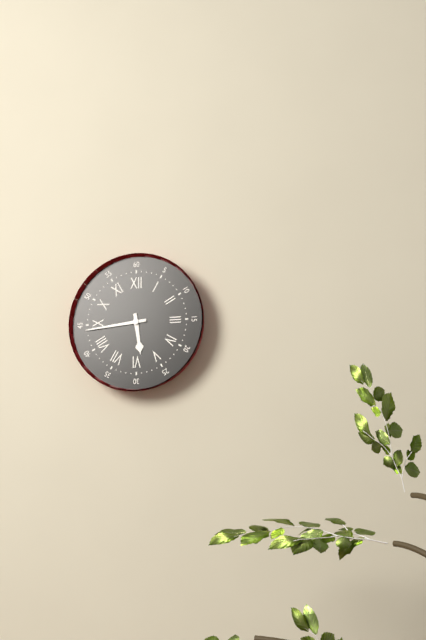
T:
**5:44**
